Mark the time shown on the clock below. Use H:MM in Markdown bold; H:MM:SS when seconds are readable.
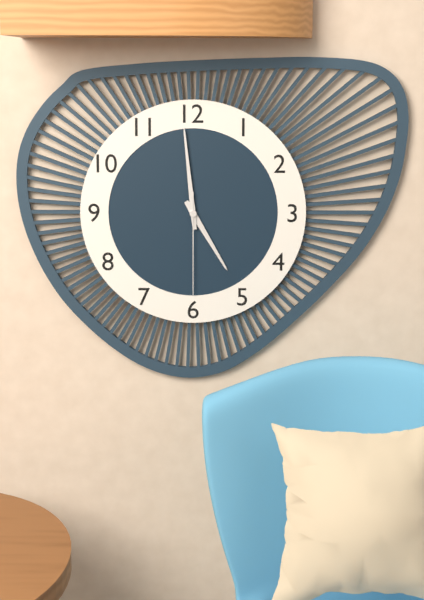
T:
**4:59:30**
